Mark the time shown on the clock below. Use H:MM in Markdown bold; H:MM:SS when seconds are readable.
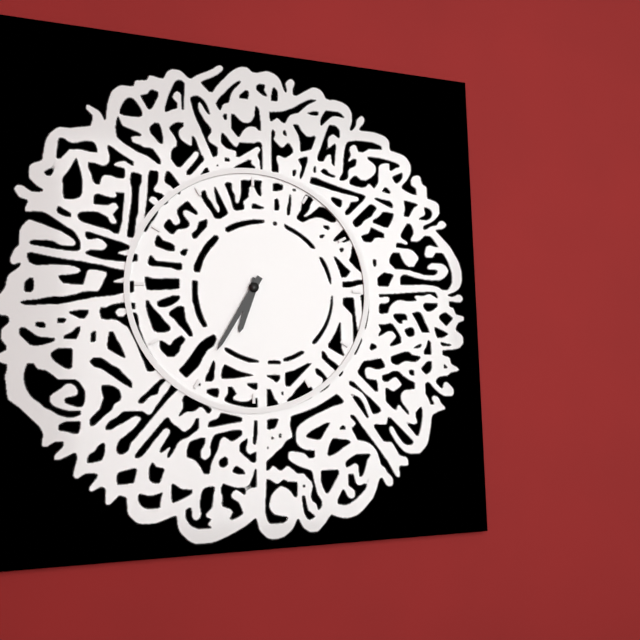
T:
**6:35**
